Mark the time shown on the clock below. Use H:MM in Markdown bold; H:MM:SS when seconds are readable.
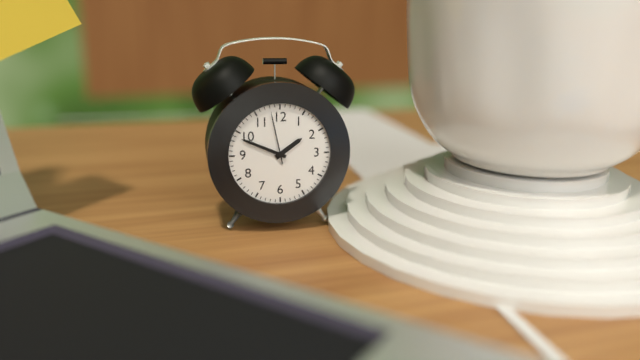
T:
**1:49:58**
